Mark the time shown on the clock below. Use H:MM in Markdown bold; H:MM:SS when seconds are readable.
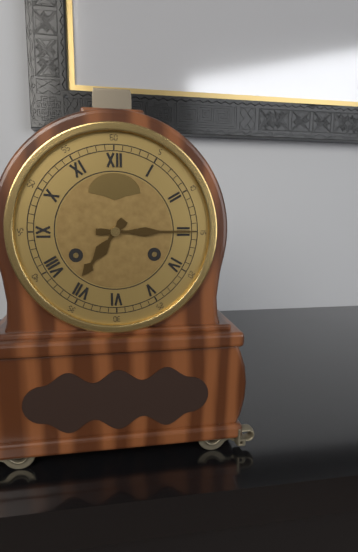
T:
**7:15**
